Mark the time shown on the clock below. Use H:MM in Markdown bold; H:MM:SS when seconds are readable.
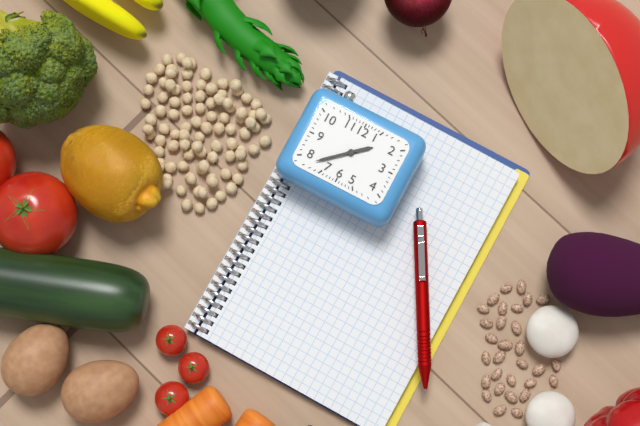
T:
**1:38**
